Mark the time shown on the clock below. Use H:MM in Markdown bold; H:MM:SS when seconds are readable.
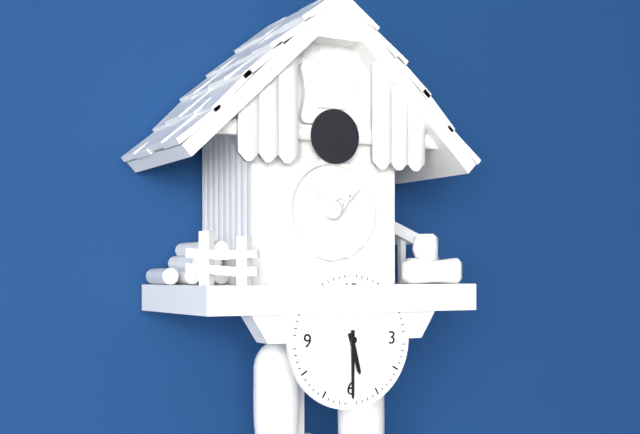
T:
**5:30**
